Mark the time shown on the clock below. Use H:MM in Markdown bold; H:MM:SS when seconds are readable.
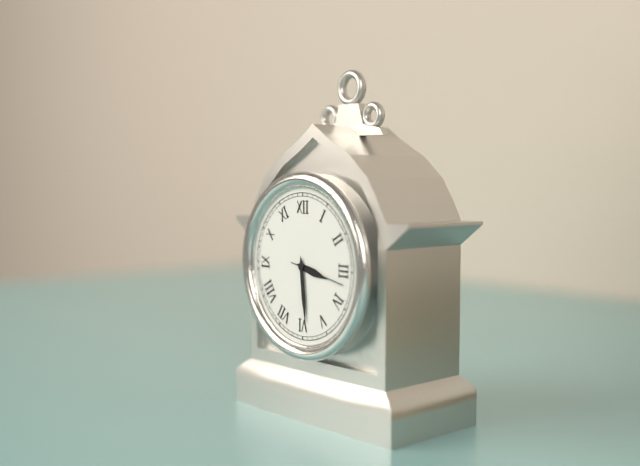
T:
**3:29:17**
